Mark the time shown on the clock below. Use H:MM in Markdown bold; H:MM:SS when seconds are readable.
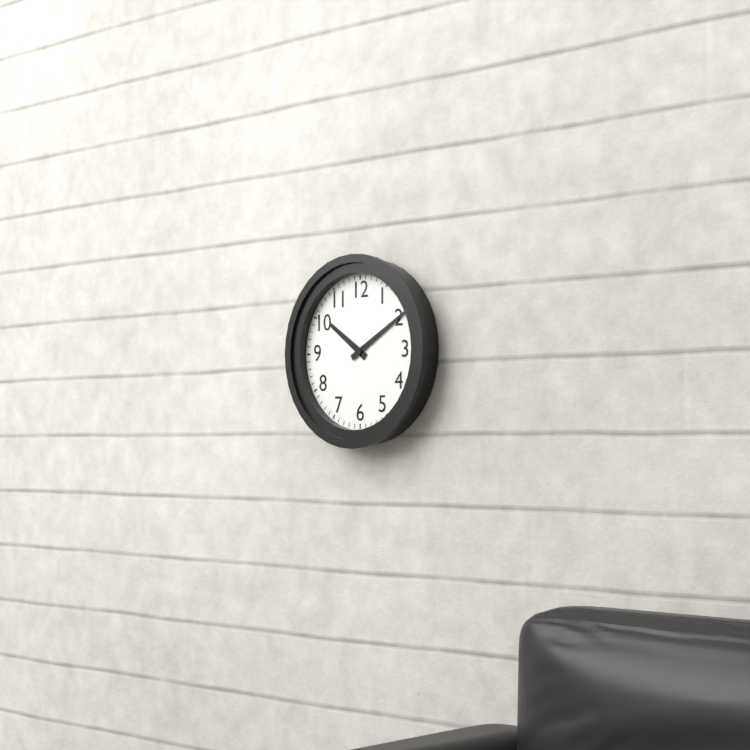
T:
**10:10**
